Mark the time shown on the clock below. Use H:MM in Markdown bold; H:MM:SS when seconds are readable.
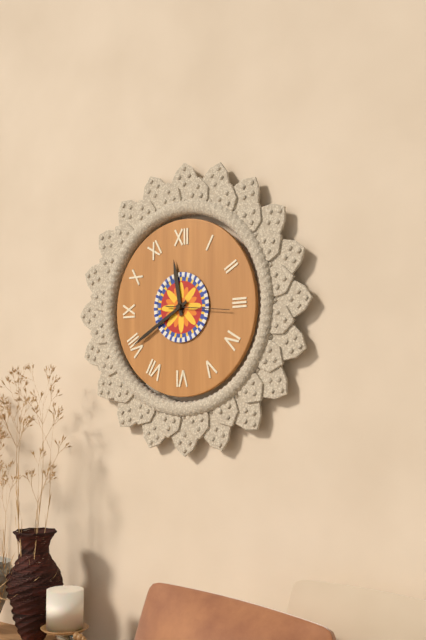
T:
**11:40:16**
